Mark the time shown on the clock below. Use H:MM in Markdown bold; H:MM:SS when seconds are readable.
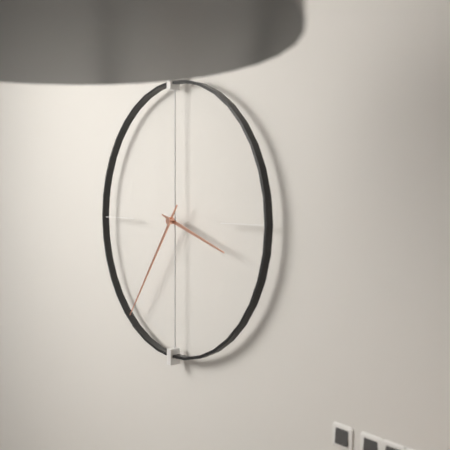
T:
**3:36**
